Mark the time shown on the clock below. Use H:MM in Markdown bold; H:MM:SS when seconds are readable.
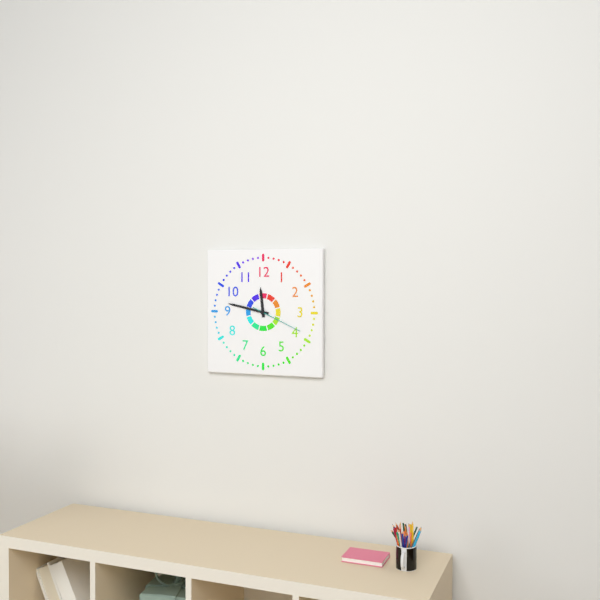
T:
**11:47:19**
